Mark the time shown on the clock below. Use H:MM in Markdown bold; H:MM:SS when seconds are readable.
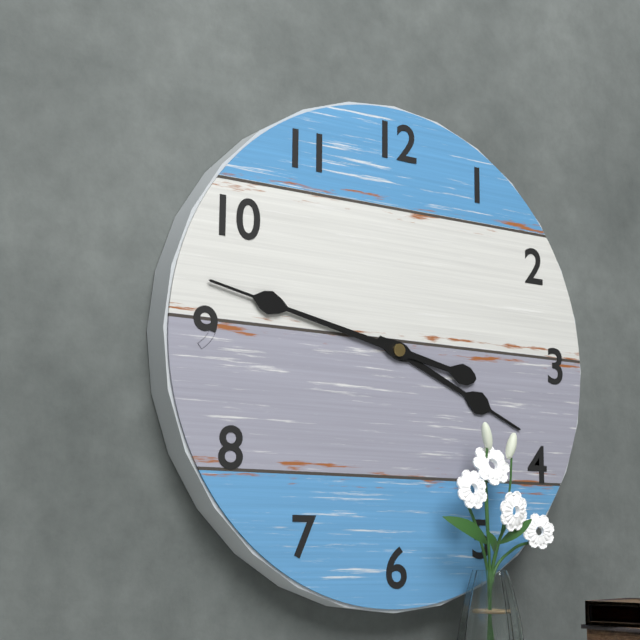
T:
**3:47**
